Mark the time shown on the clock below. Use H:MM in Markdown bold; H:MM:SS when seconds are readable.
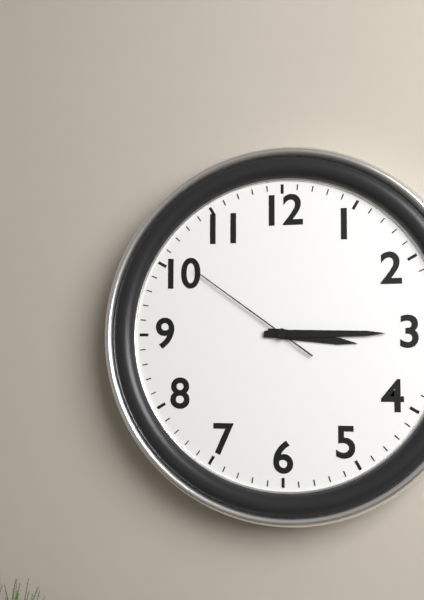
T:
**3:15:51**
